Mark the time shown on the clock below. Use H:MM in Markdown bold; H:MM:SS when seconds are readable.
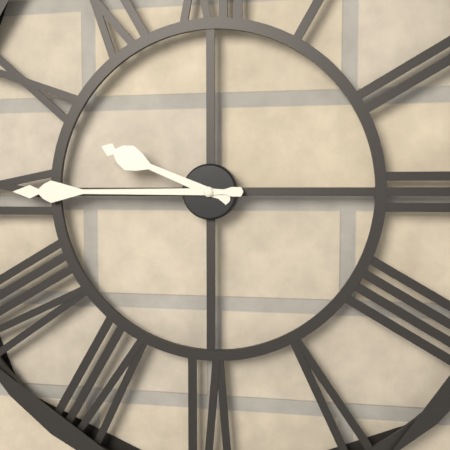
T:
**9:45**
